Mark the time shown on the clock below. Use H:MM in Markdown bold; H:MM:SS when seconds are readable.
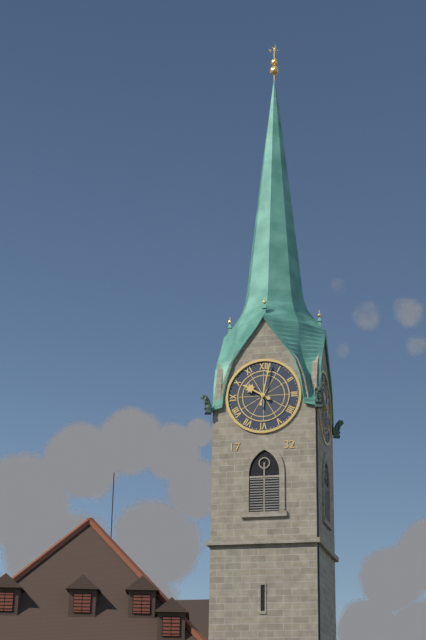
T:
**10:02**
